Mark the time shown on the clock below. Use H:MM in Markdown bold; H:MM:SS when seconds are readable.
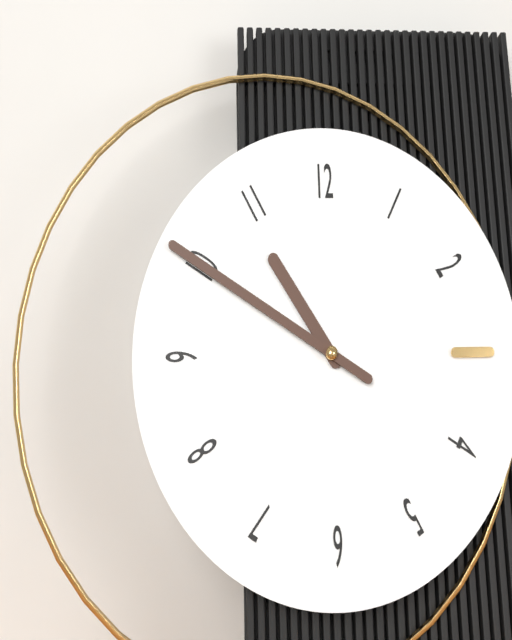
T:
**10:50**
